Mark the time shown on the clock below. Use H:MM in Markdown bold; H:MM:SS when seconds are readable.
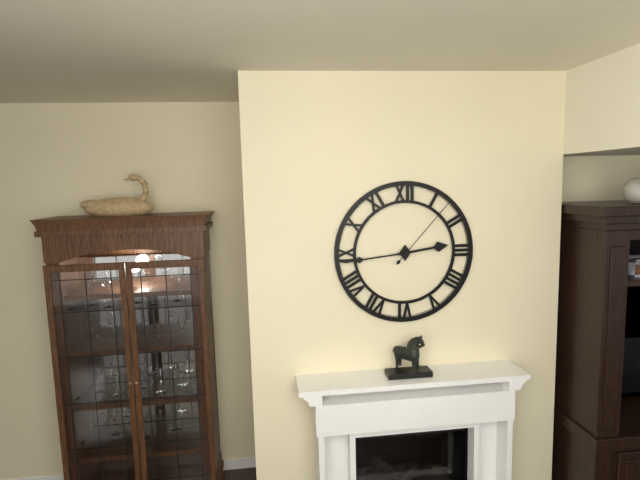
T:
**2:44:07**
